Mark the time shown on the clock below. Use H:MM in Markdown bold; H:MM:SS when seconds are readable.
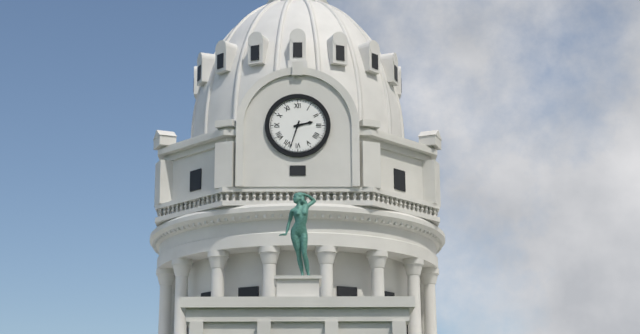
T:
**2:33**
